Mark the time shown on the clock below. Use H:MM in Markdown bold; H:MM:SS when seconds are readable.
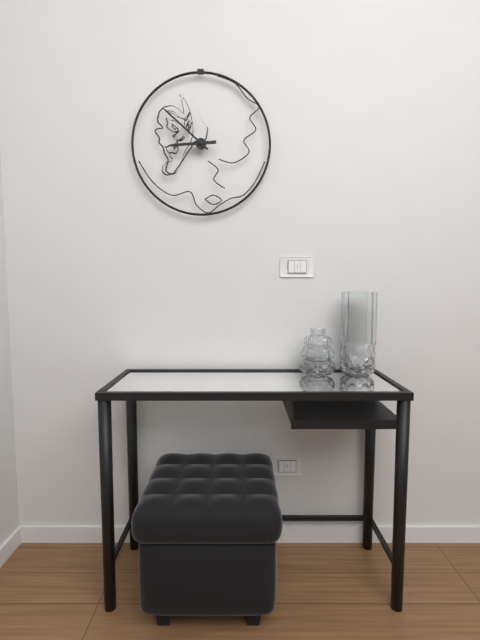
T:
**8:52**
